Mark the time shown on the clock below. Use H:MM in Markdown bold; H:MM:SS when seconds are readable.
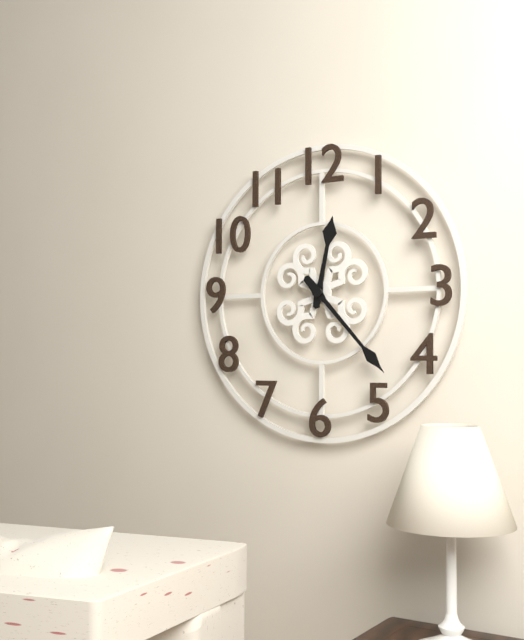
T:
**12:23**
